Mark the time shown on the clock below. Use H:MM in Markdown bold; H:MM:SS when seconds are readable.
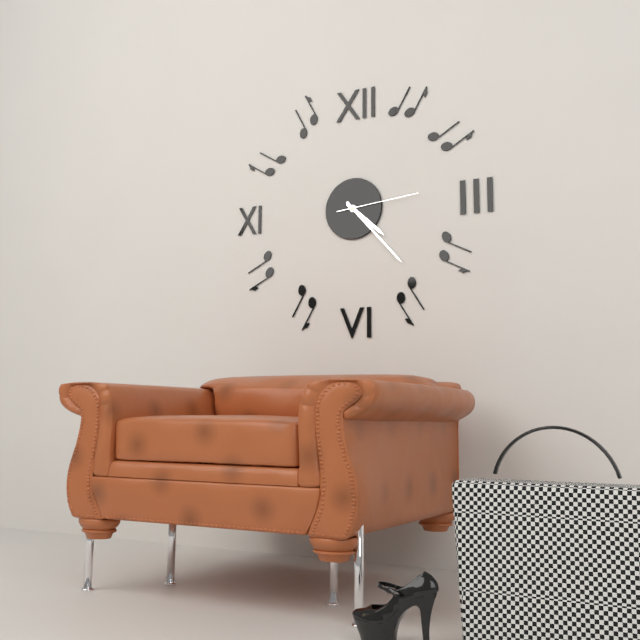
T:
**4:23:14**
